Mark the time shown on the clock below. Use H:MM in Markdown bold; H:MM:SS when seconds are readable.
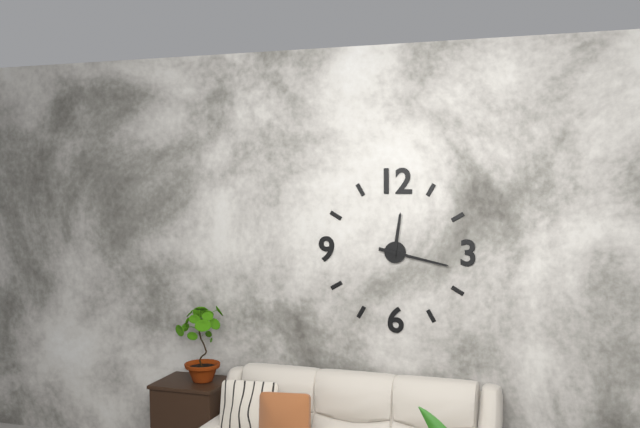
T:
**12:17**
